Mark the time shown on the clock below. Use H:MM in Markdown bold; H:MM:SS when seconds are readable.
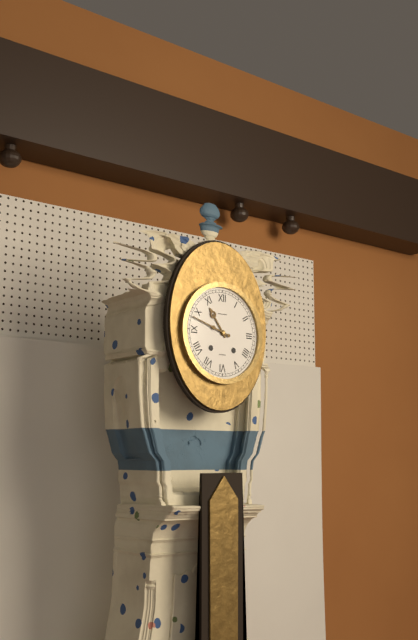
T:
**10:48**
